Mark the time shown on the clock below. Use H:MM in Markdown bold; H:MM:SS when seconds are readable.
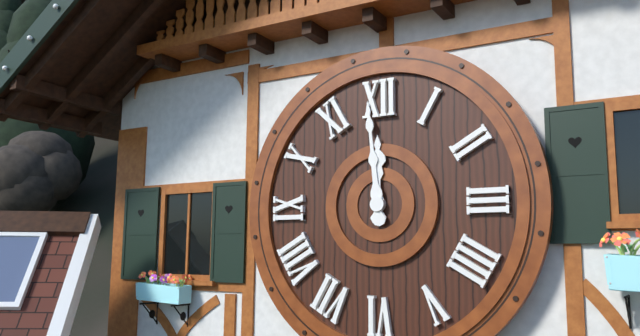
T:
**11:59**
